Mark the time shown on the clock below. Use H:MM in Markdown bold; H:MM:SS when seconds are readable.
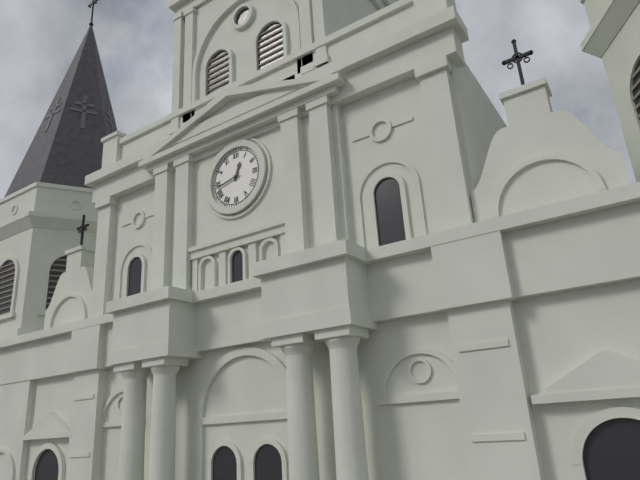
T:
**12:43**
